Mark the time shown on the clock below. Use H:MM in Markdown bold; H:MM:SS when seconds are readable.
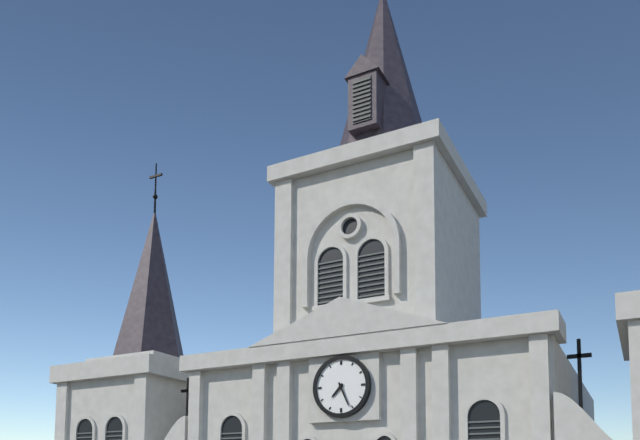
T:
**7:26**
